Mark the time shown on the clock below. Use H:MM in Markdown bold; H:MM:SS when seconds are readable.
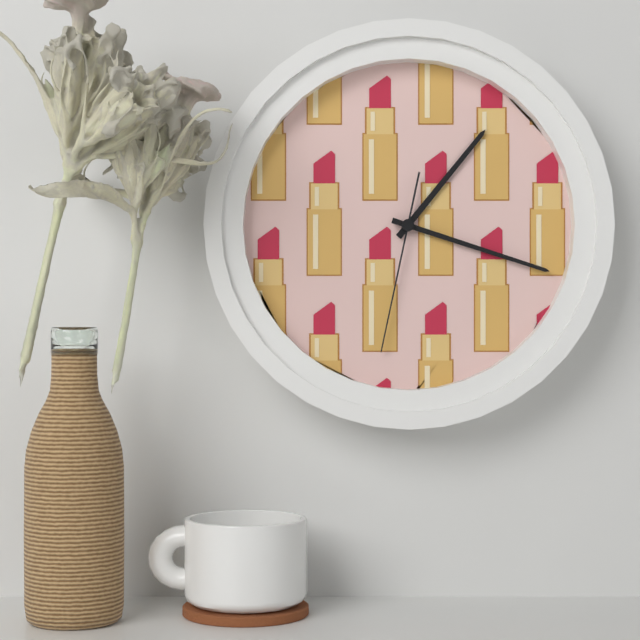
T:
**1:18:32**
